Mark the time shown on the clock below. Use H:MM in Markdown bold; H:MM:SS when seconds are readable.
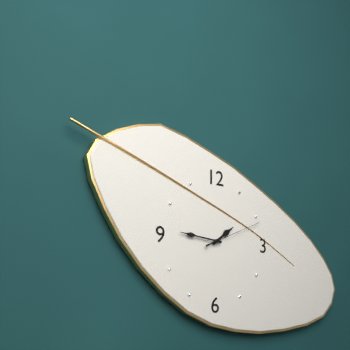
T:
**1:46:11**
